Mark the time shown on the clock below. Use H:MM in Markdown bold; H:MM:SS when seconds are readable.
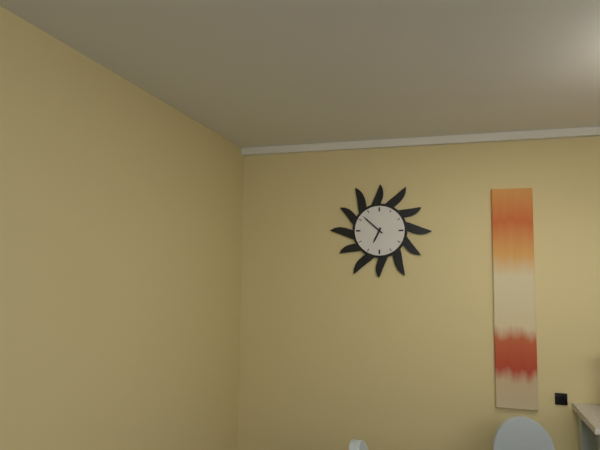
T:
**6:52**
